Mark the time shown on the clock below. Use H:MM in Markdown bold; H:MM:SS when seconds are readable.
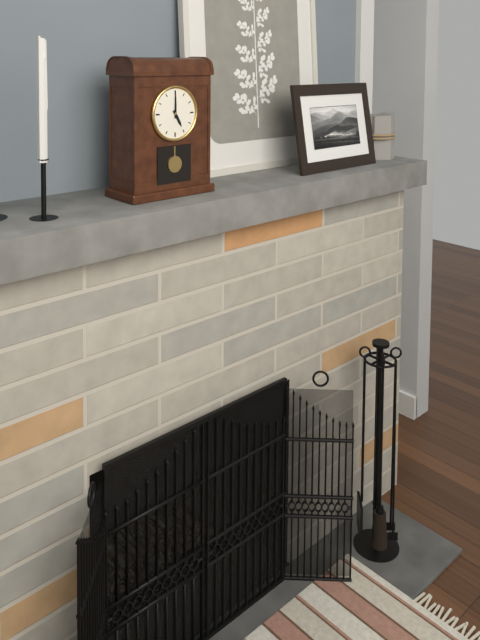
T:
**5:00**
